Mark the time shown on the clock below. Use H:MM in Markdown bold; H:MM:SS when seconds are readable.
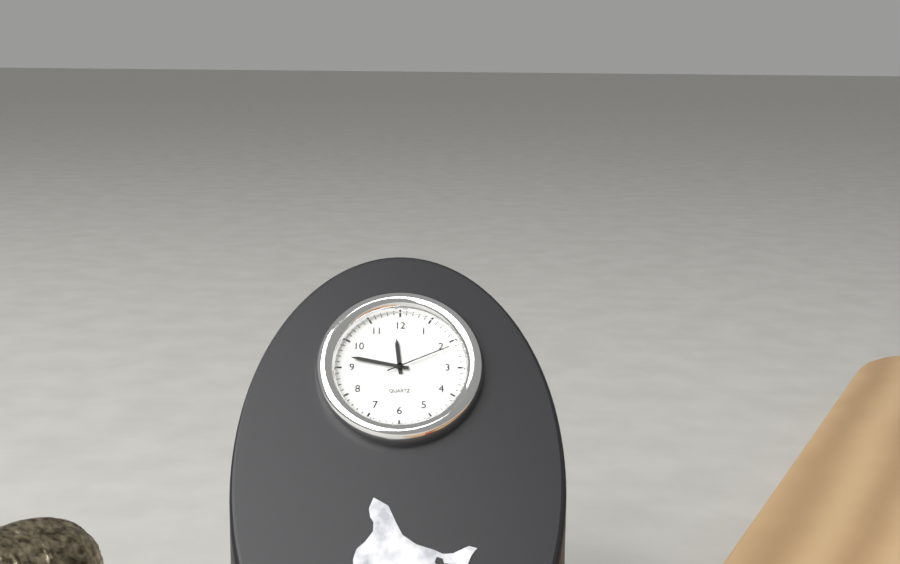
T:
**11:47:11**
